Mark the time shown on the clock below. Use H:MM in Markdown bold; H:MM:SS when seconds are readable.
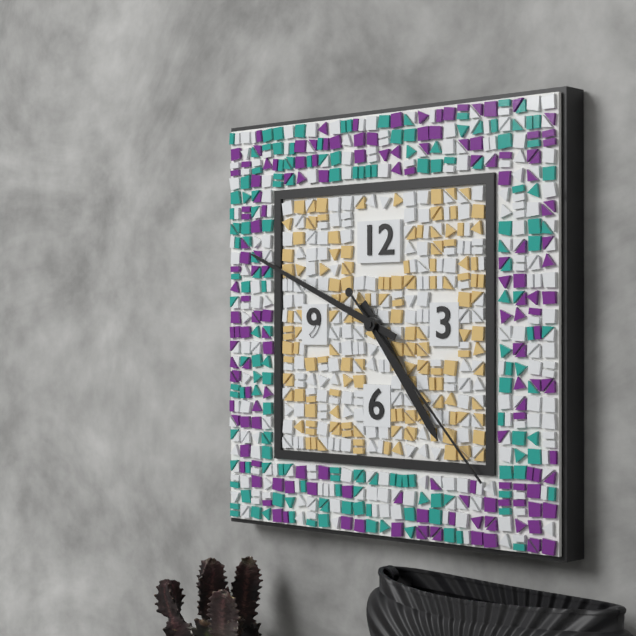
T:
**4:49:23**
